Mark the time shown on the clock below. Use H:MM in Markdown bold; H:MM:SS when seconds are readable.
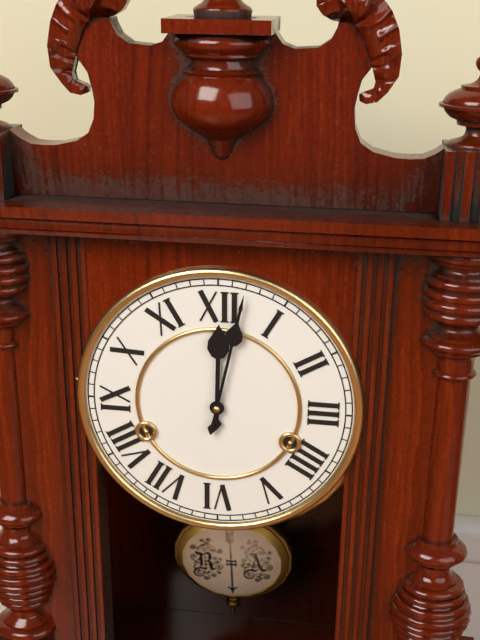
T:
**12:02**
